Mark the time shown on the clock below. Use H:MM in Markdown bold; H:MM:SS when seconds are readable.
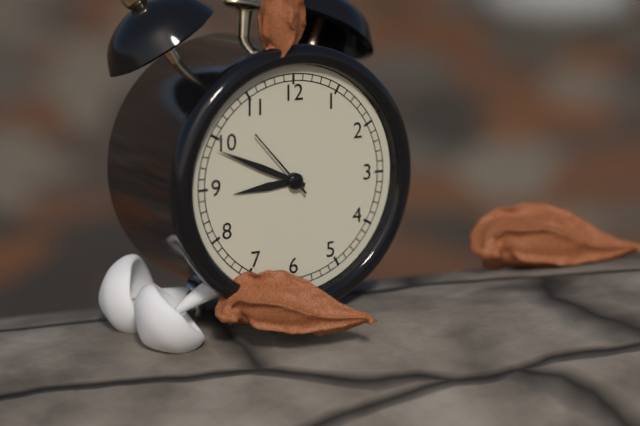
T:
**8:49:53**
